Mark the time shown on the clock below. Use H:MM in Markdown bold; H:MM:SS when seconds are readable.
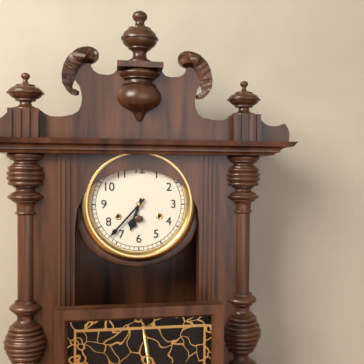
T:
**6:37**
